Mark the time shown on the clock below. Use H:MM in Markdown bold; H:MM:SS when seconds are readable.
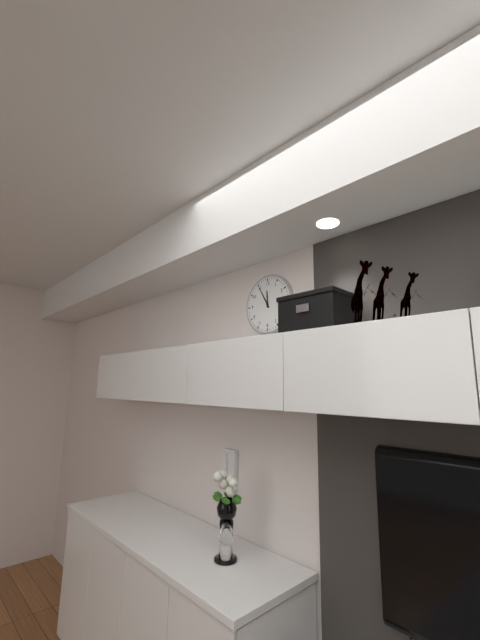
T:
**11:55**
